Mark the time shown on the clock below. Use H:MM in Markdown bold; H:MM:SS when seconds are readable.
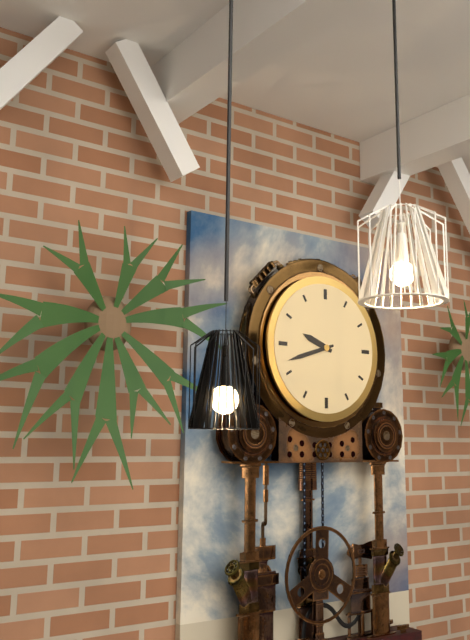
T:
**9:42**
